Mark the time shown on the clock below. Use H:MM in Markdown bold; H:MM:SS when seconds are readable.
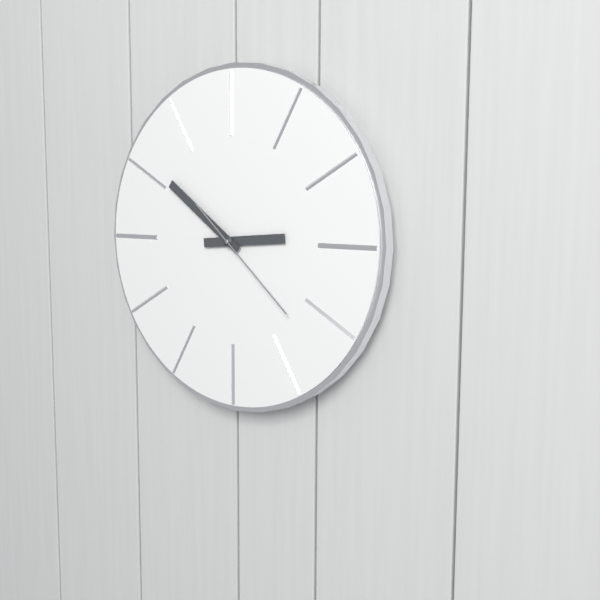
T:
**2:51:22**
